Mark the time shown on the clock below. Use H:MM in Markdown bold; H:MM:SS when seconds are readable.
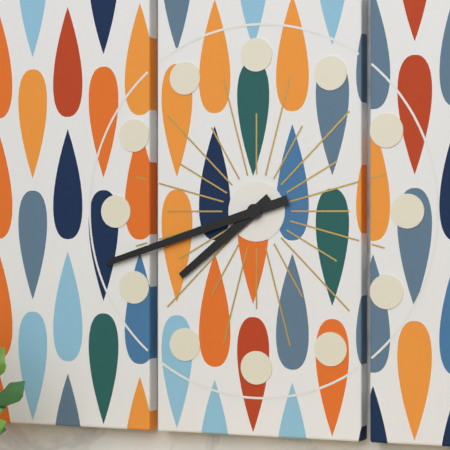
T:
**7:42**
